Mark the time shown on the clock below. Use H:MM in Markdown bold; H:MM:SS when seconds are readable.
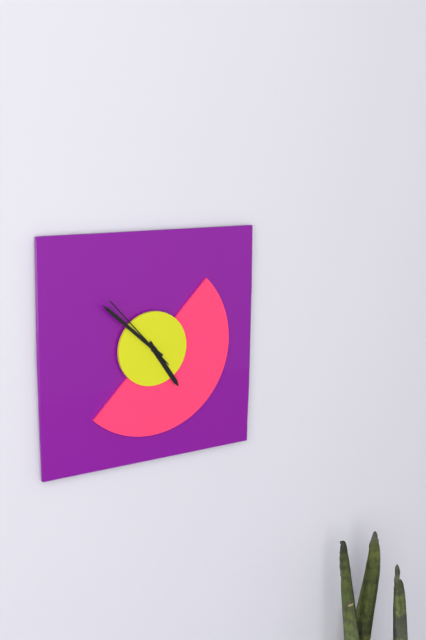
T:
**4:52:53**
